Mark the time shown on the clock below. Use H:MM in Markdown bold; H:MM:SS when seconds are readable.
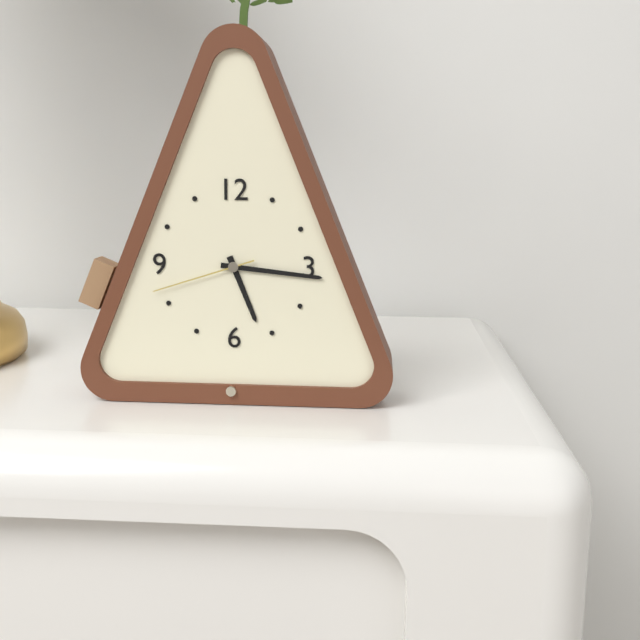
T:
**5:16:42**
